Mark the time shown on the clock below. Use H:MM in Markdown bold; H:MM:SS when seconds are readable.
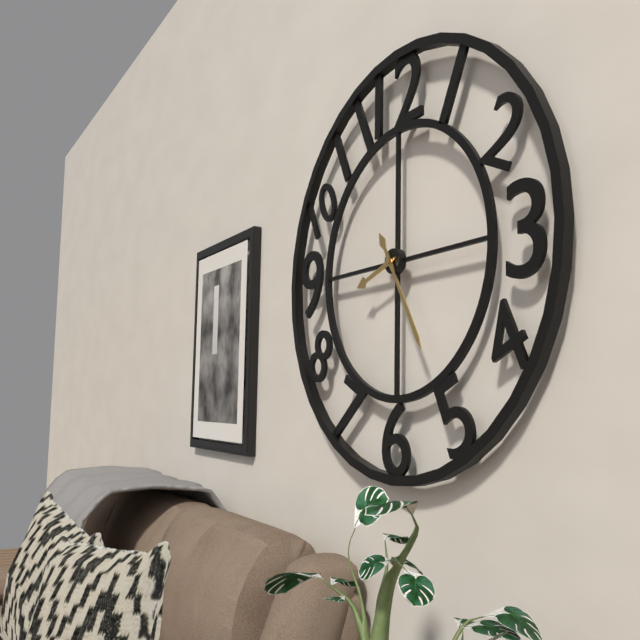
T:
**8:25**
